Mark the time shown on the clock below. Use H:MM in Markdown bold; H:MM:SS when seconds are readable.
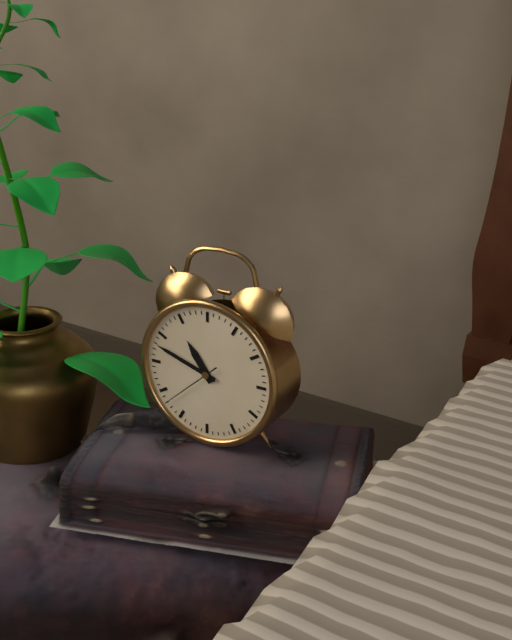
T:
**10:48:38**
